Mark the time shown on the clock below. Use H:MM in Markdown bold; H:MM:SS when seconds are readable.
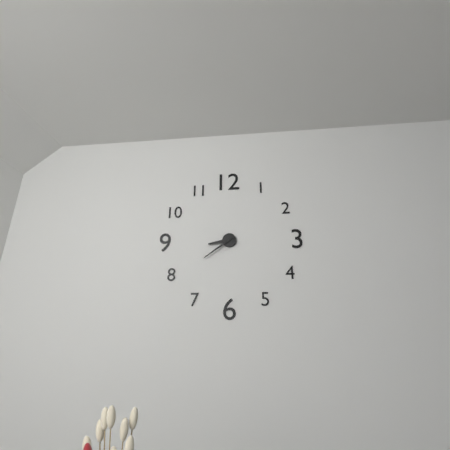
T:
**8:39**
